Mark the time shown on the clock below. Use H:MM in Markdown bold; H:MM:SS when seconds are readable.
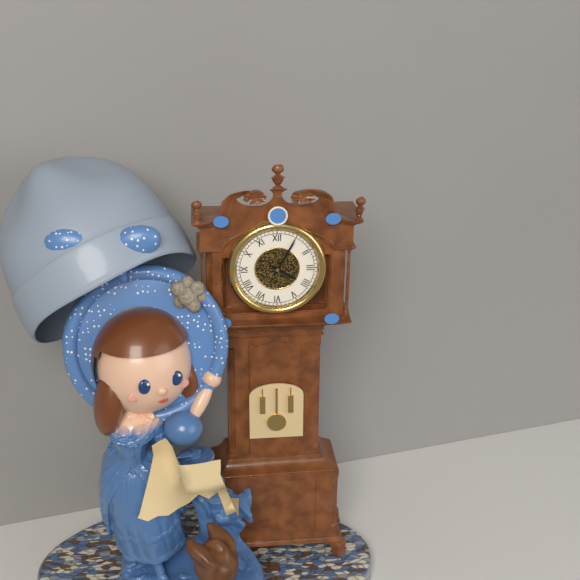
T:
**4:05**
